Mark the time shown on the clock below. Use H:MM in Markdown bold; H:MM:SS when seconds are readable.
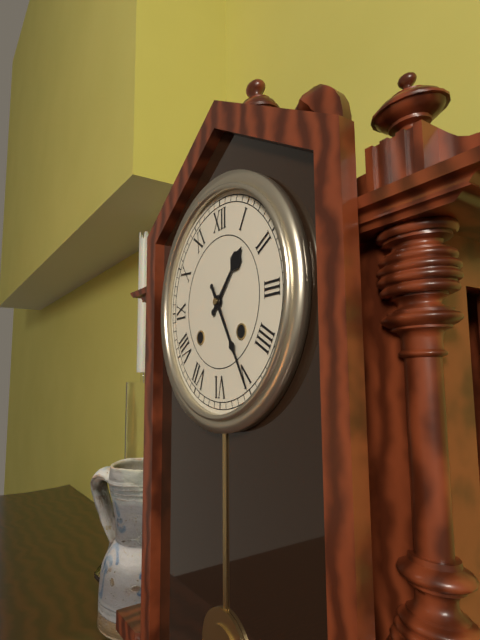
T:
**1:25**
